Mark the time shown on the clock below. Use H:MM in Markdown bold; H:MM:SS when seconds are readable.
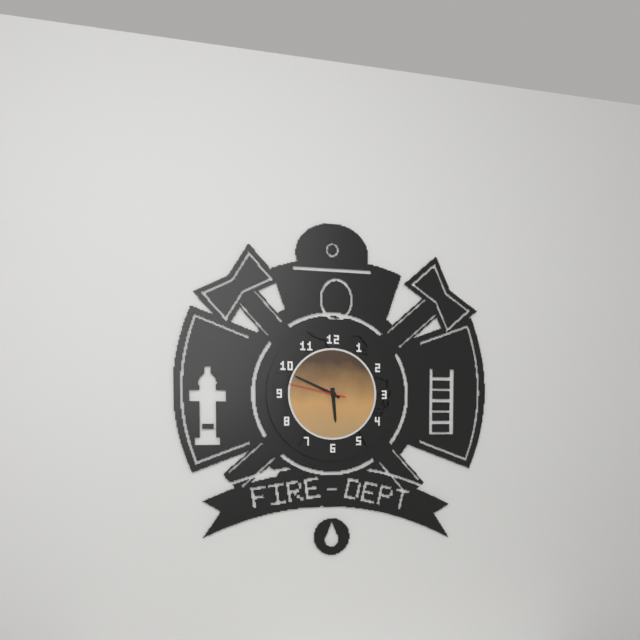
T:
**5:49:47**
